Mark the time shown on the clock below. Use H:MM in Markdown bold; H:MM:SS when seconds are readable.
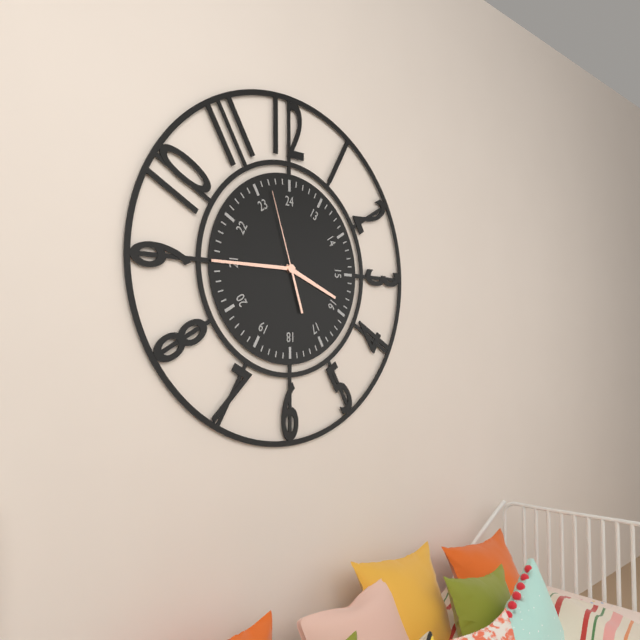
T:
**3:45:57**
